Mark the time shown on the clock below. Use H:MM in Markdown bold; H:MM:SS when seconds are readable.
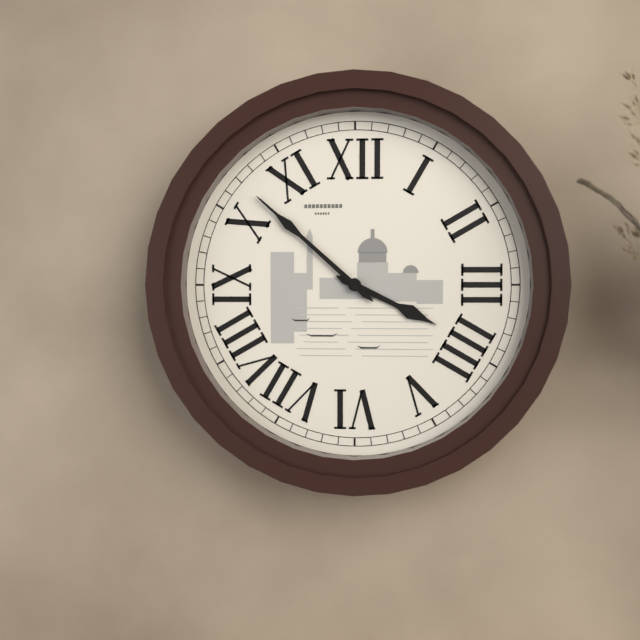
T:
**3:52**
